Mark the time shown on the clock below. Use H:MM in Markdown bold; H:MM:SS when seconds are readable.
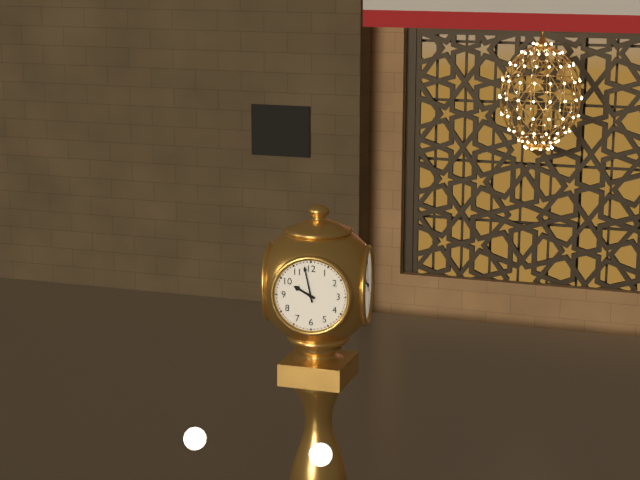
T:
**9:58**
